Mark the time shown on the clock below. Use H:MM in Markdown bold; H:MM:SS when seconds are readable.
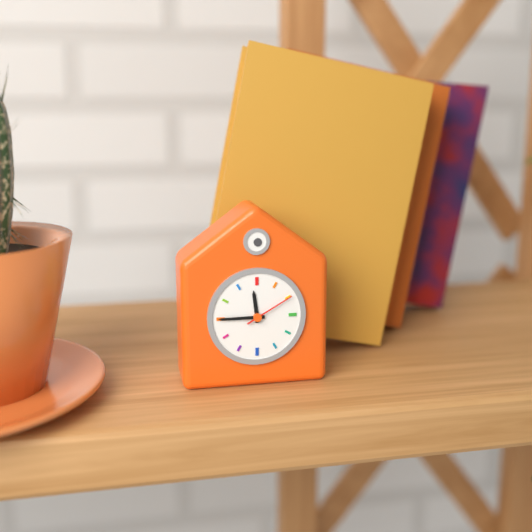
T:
**11:45:10**
